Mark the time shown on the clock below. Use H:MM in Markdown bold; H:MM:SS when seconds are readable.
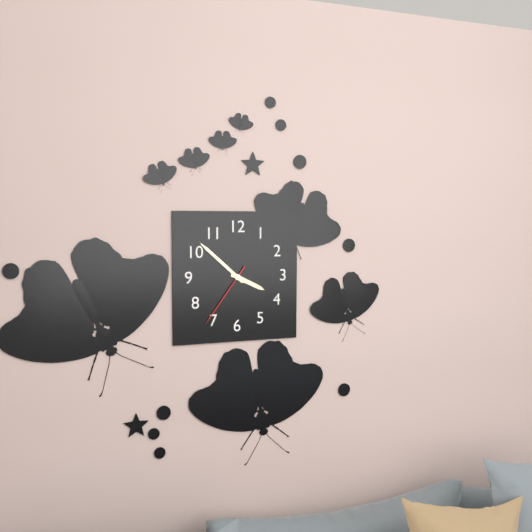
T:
**3:52:36**
